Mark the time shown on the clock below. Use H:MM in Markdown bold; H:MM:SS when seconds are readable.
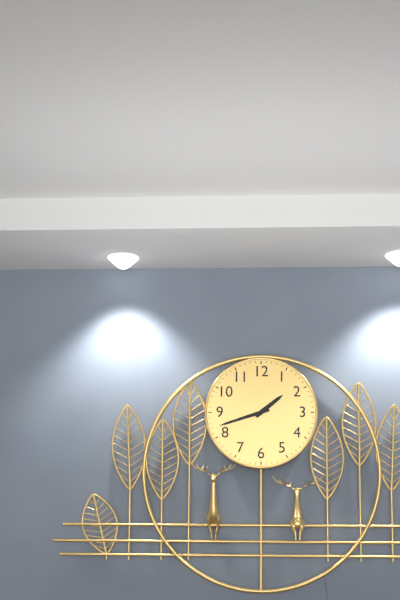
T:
**1:42**
